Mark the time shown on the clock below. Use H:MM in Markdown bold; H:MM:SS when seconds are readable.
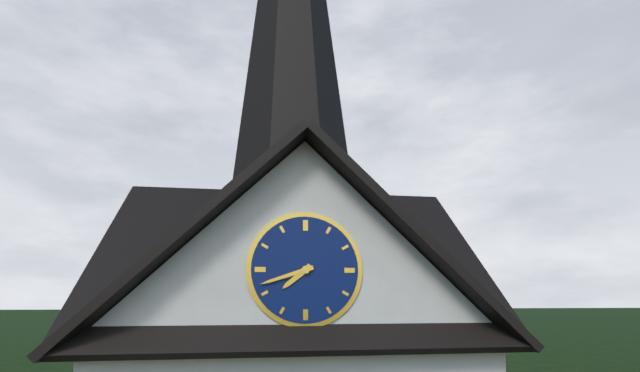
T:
**7:42**
